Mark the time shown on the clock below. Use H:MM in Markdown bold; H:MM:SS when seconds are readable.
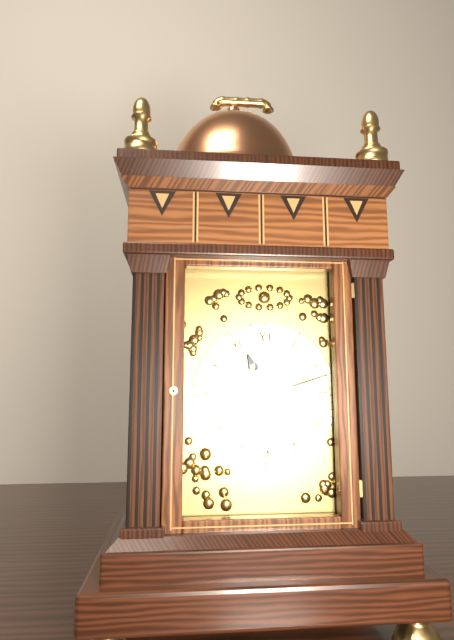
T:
**11:12**
